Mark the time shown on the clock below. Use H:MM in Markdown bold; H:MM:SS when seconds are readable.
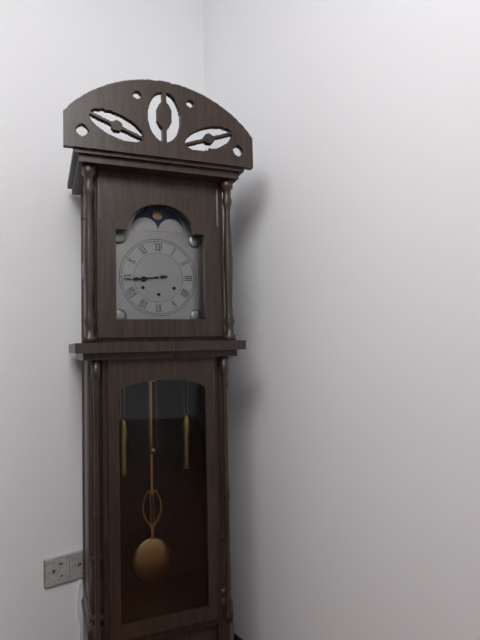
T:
**8:44**
